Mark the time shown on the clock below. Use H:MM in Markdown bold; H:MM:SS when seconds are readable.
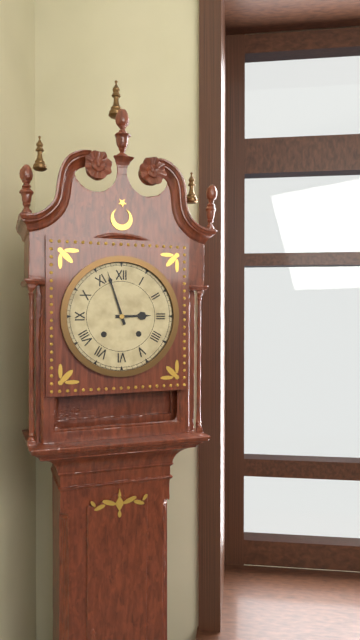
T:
**2:57**
